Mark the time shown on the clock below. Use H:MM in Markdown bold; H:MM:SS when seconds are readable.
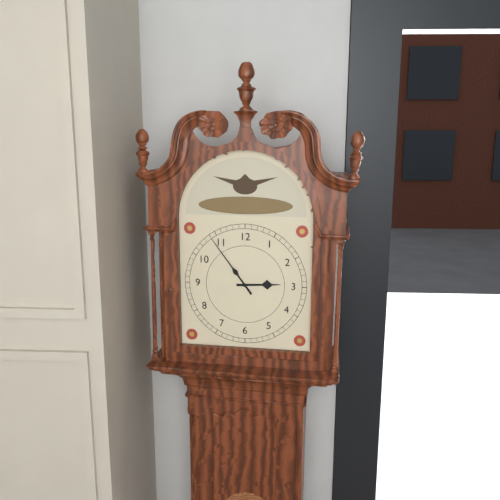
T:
**2:54**
